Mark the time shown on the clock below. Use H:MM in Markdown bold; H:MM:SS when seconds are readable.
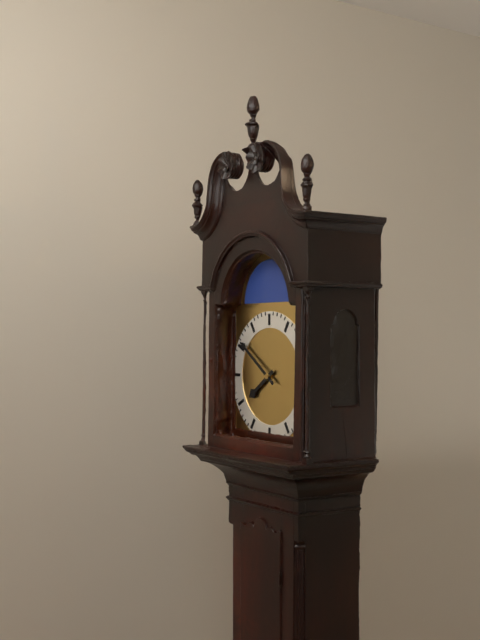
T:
**7:51**
